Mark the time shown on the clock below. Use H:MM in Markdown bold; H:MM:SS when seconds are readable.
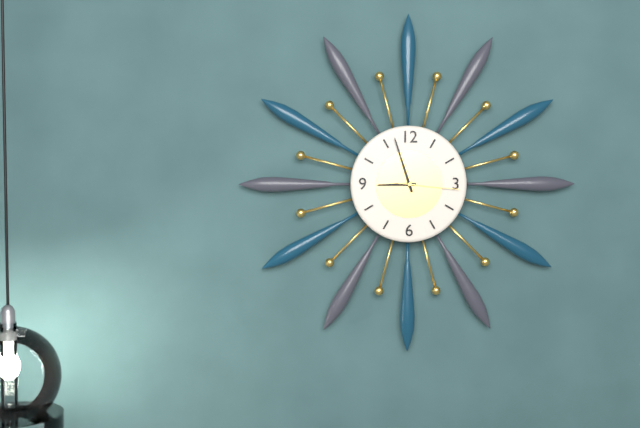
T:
**8:57:16**
